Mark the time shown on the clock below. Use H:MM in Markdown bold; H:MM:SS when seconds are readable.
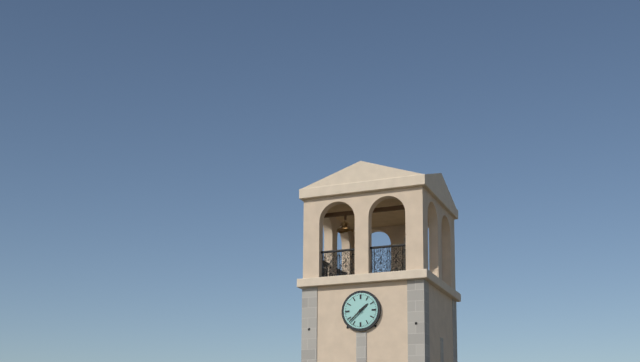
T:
**1:38**
